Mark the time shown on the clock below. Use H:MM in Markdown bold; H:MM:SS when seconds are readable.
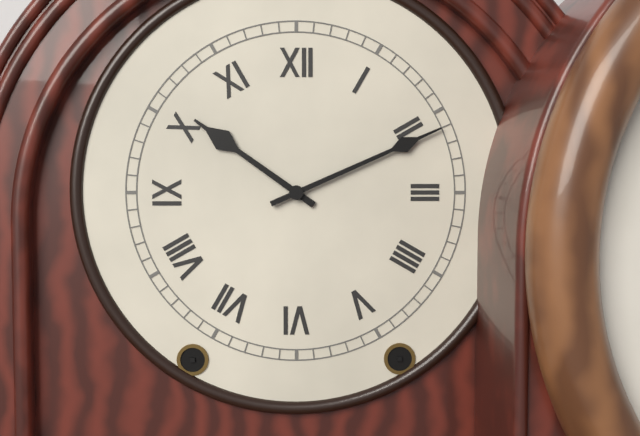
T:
**10:11**
